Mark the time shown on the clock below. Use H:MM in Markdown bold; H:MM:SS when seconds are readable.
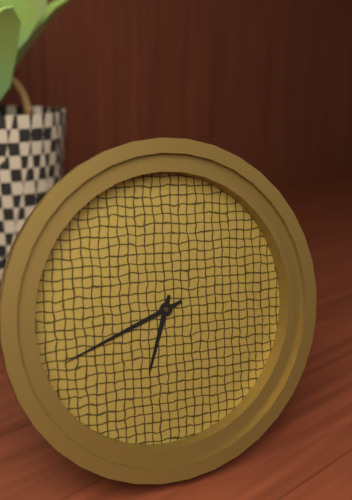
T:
**6:42**
